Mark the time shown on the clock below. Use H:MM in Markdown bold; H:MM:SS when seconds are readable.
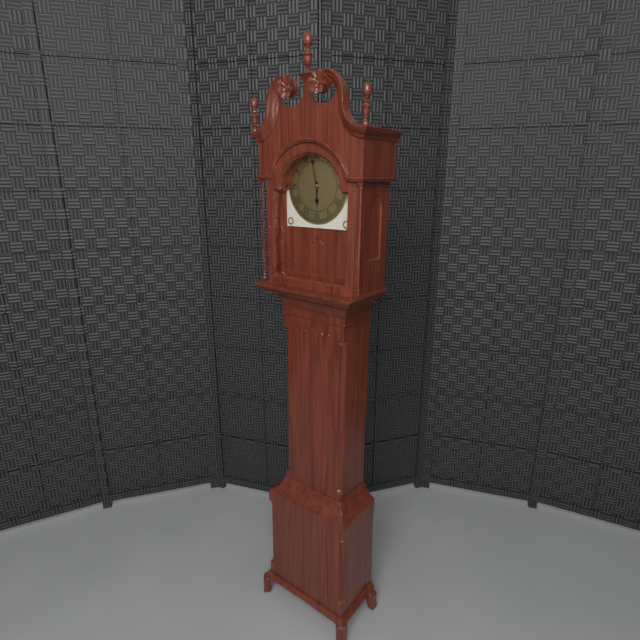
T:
**5:58**
